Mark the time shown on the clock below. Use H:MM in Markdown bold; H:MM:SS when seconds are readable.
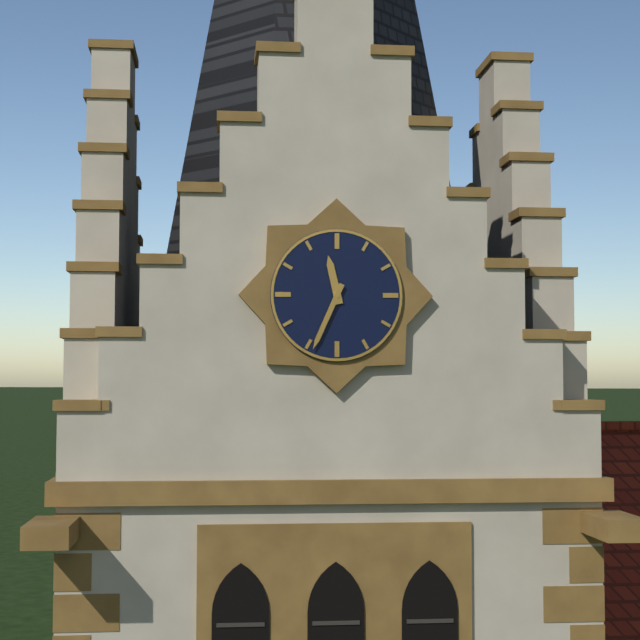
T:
**11:34**
